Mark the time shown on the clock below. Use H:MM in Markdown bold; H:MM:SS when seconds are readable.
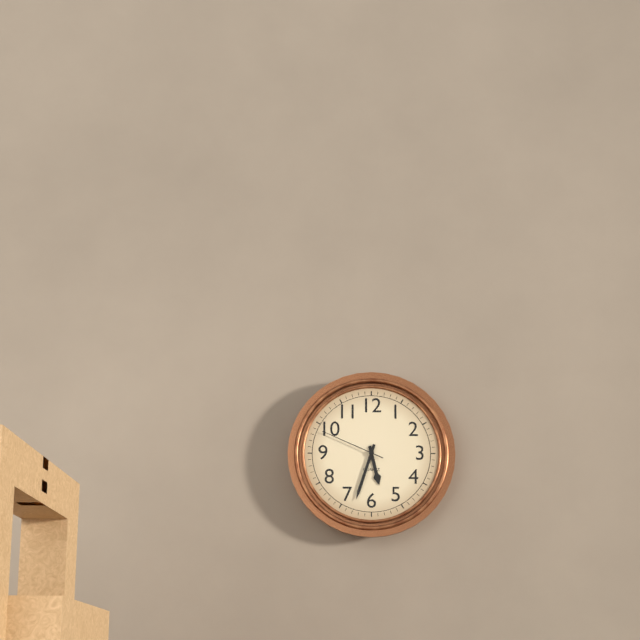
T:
**5:33:49**
